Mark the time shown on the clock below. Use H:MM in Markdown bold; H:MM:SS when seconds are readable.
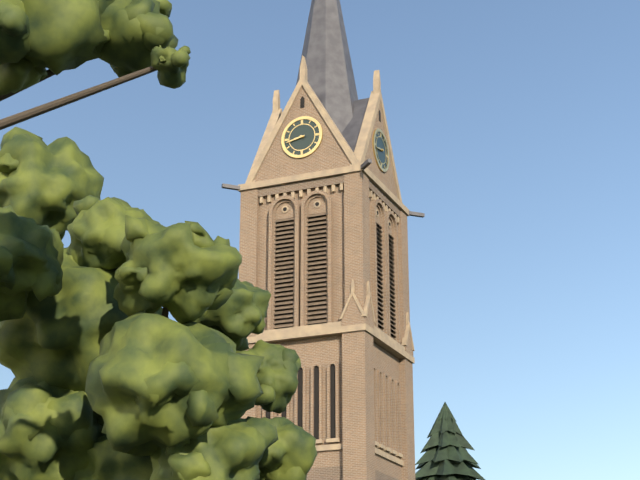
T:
**8:43**
